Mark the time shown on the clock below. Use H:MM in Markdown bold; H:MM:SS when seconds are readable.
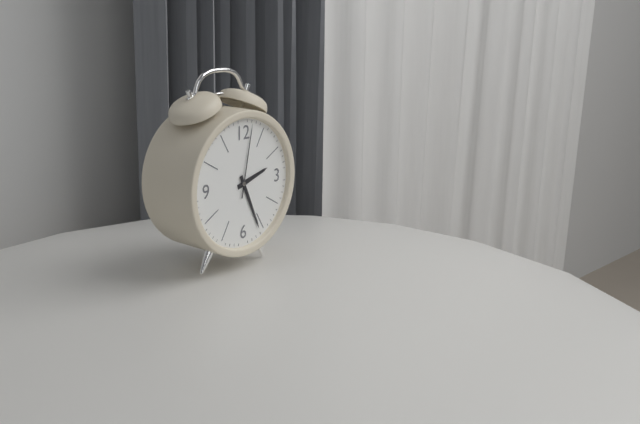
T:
**2:26:02**
